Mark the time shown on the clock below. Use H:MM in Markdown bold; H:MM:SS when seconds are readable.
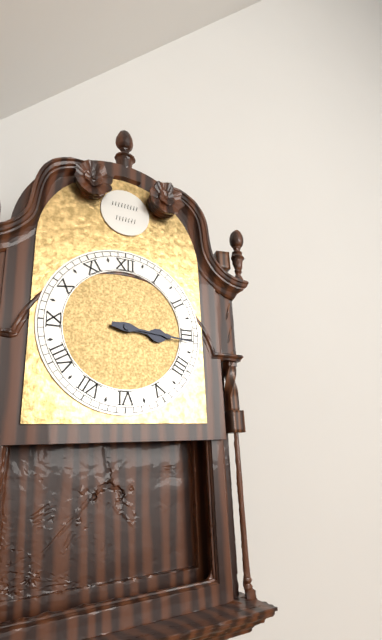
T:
**3:16**
